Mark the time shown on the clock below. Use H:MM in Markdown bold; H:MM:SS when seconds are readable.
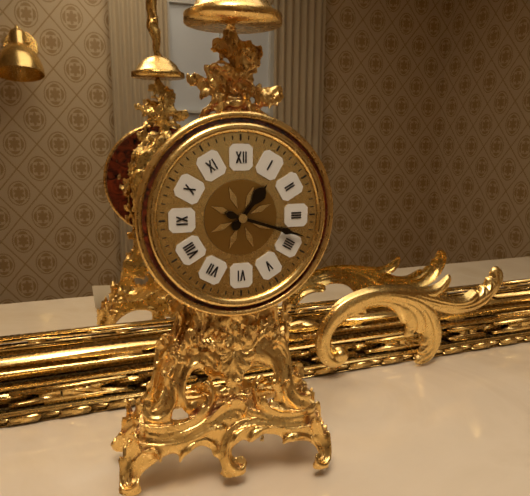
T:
**1:18**
